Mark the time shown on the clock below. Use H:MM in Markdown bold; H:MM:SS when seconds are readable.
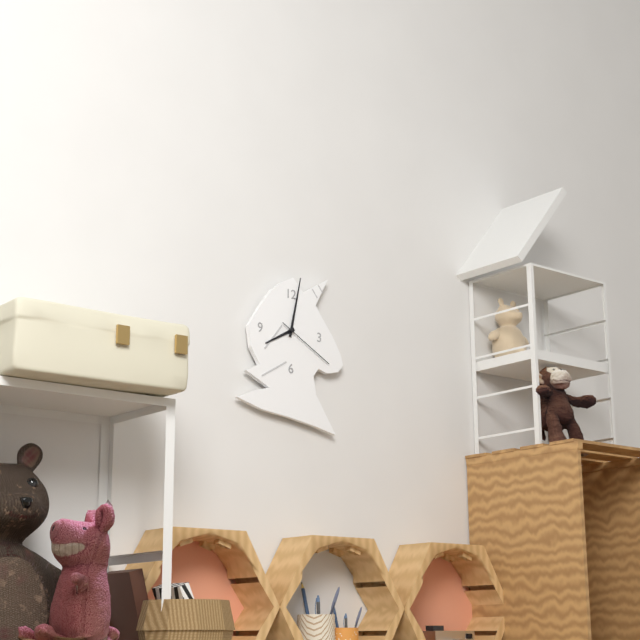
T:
**8:02:20**
